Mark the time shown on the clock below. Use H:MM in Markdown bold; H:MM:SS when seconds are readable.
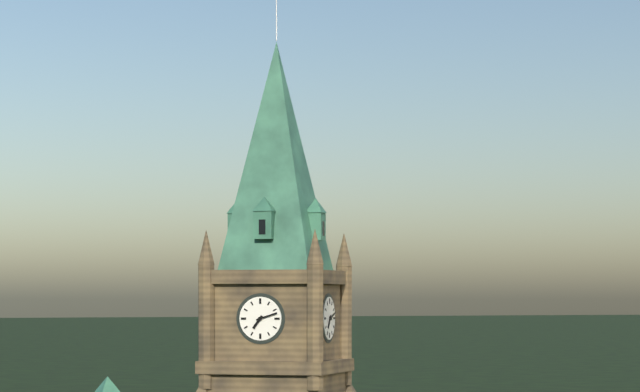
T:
**7:12**
